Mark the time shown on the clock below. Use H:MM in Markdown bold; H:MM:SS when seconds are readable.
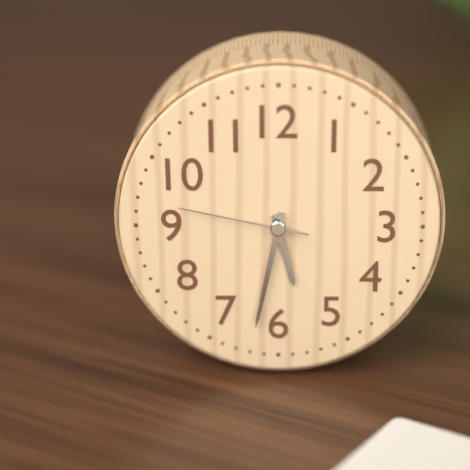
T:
**5:32:47**
